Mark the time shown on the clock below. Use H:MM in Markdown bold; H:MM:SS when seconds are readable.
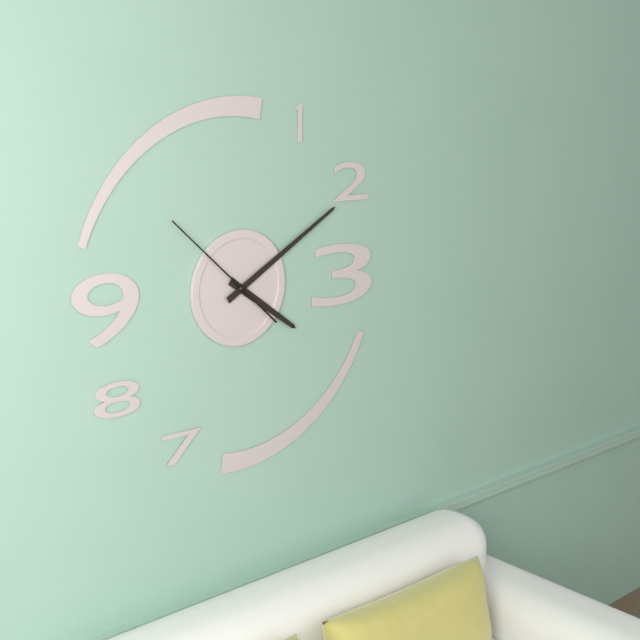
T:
**4:10:52**
